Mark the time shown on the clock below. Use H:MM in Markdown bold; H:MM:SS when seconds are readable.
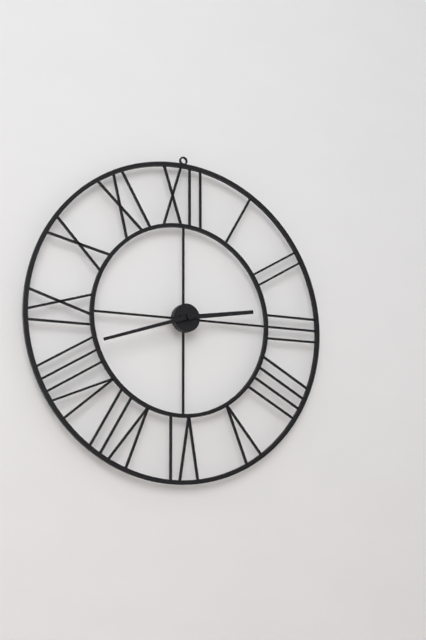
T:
**2:42**
